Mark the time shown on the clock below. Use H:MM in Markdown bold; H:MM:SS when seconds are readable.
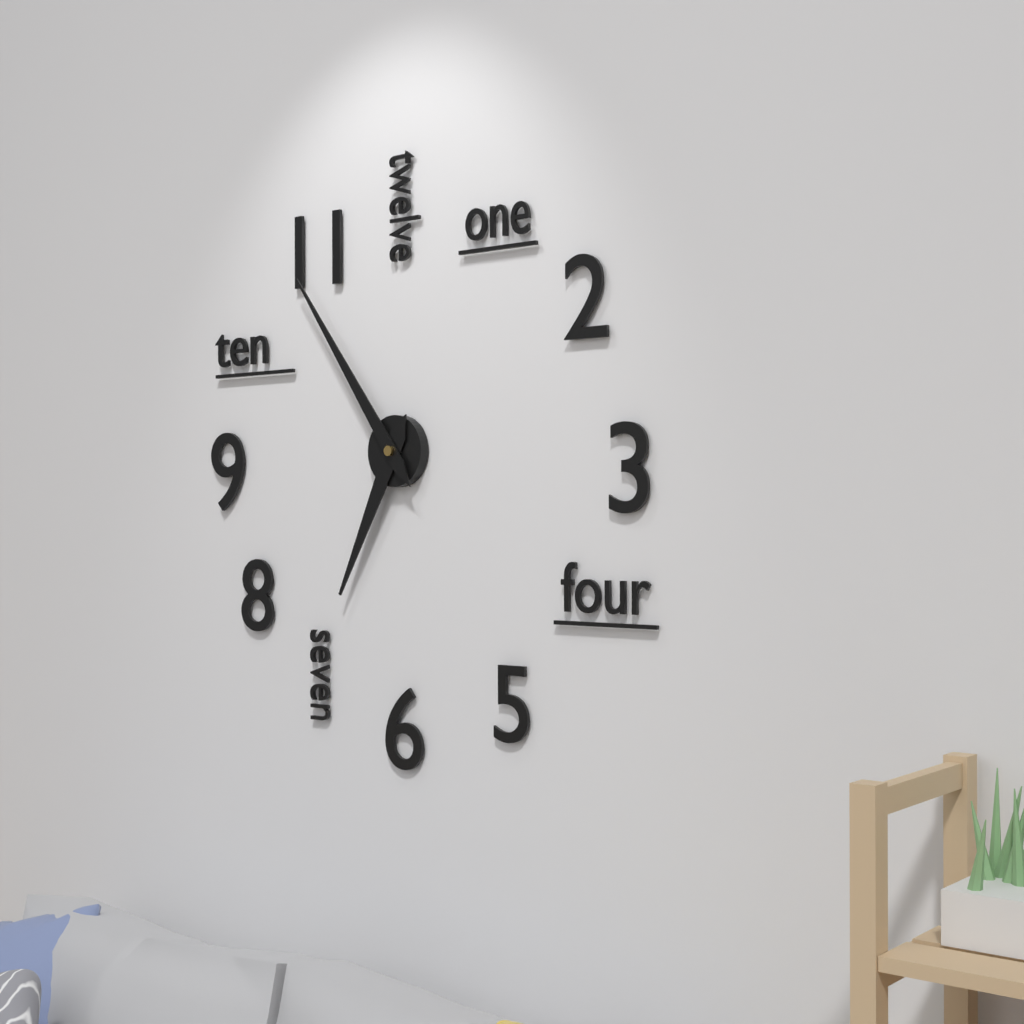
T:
**6:54**
